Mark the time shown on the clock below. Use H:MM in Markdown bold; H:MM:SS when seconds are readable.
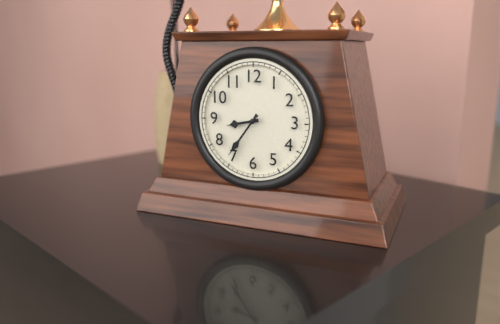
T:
**8:36**
